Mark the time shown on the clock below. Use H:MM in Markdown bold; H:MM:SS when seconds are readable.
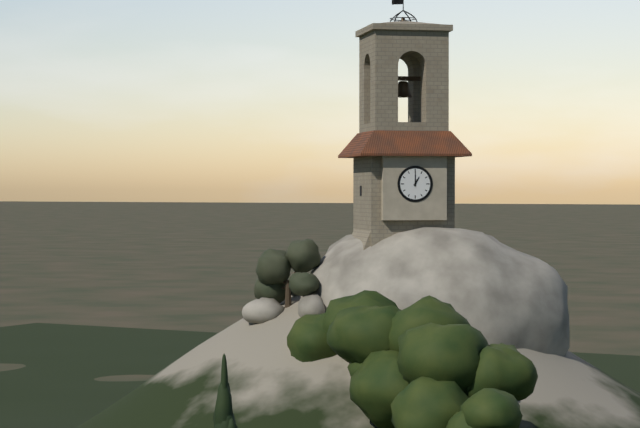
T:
**1:00**
